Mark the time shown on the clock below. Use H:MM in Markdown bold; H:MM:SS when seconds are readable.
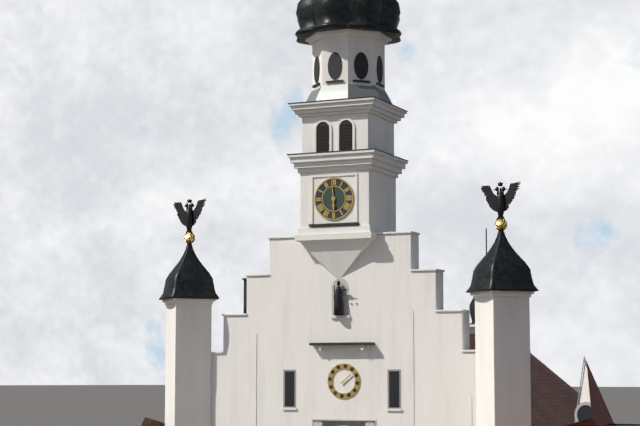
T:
**5:59**
